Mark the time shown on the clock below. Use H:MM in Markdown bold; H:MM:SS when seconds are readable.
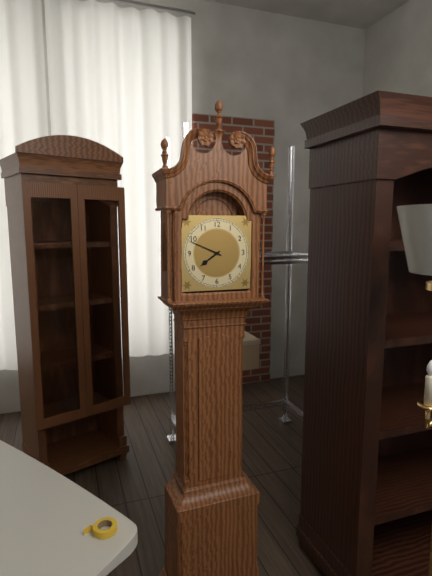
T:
**7:49**
